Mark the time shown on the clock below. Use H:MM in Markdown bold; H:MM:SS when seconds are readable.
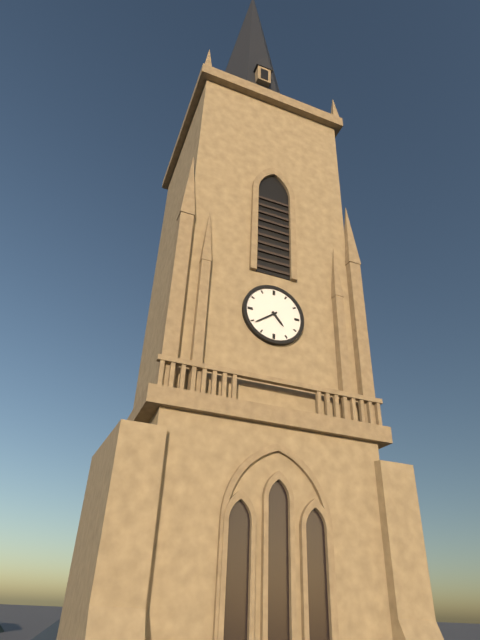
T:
**4:39**
